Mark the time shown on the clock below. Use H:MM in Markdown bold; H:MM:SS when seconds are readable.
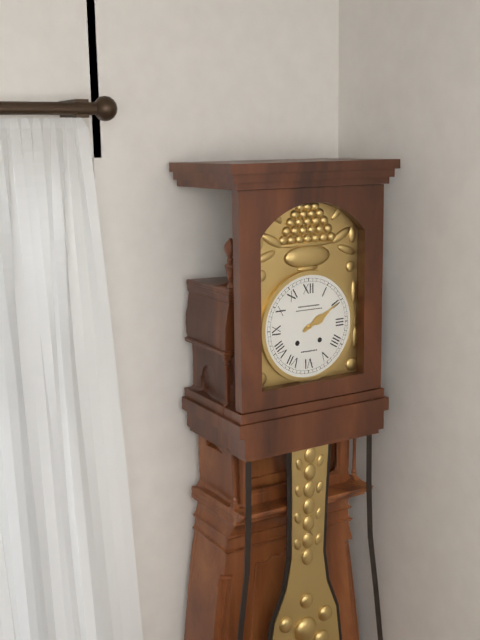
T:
**2:10**
